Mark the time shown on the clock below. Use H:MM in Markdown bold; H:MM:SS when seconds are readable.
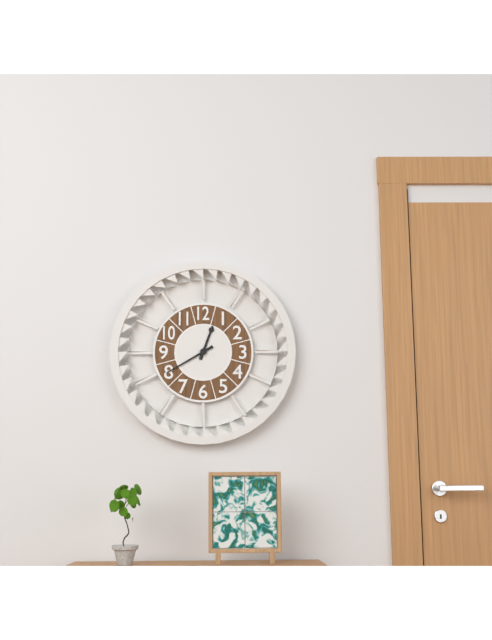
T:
**12:40**
